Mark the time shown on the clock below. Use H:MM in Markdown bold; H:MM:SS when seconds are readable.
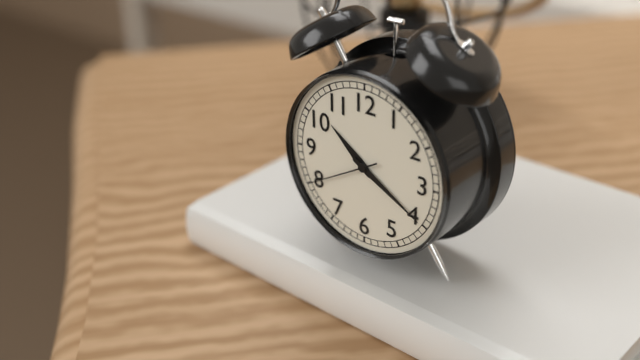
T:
**10:20:40**
